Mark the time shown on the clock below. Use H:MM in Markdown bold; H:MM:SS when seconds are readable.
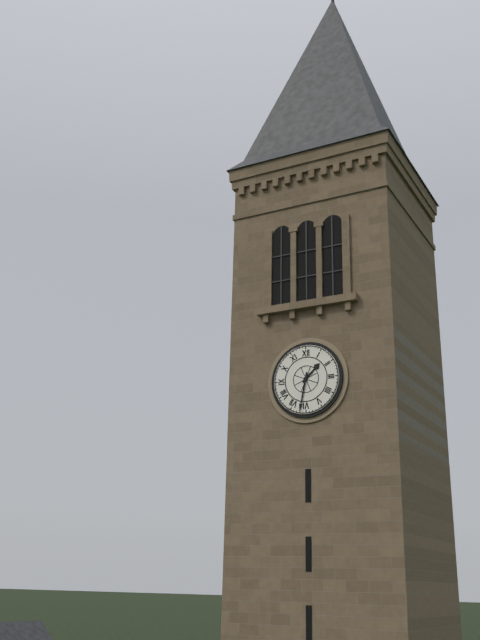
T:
**1:32**
